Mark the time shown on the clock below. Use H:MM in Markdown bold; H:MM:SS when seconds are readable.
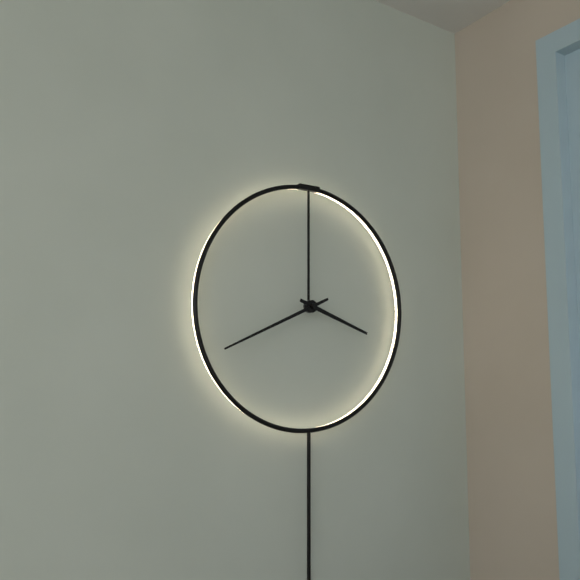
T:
**3:41**
